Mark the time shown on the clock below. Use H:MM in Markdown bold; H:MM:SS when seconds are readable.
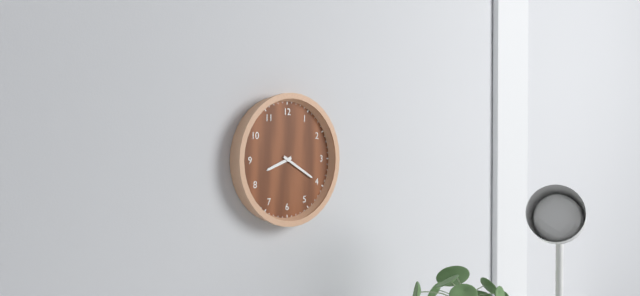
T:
**8:20**
